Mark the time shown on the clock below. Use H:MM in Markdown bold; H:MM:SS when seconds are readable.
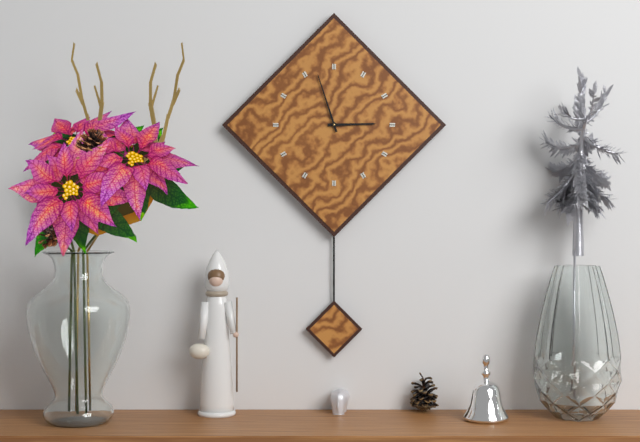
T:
**2:57**
